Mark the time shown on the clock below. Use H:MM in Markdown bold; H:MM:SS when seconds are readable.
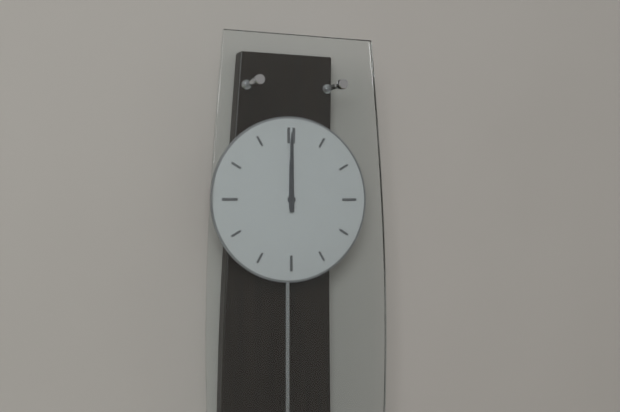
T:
**12:00**
